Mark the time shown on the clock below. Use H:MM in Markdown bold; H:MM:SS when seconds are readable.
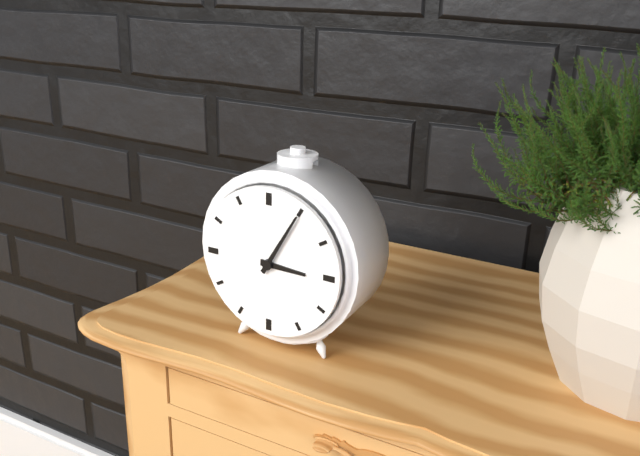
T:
**3:05**
